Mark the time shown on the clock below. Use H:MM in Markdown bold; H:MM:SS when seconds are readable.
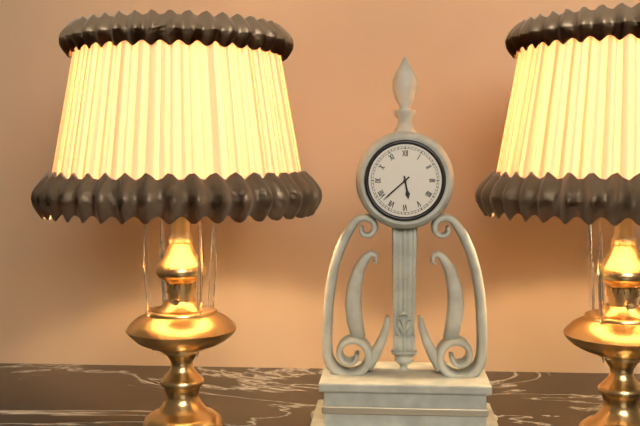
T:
**5:38**
